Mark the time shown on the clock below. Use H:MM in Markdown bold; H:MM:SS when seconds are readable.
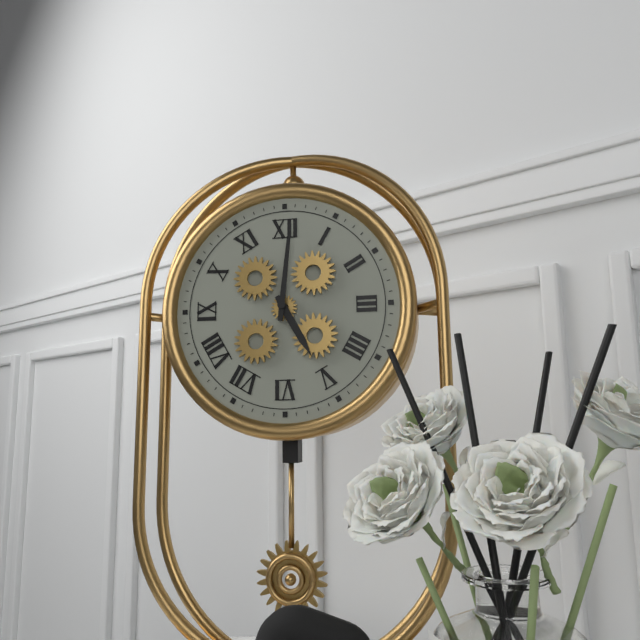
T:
**5:01**
